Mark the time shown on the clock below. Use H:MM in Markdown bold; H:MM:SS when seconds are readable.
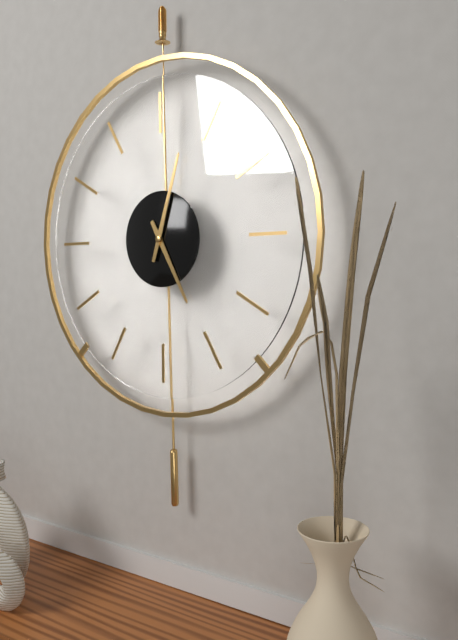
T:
**5:03**
